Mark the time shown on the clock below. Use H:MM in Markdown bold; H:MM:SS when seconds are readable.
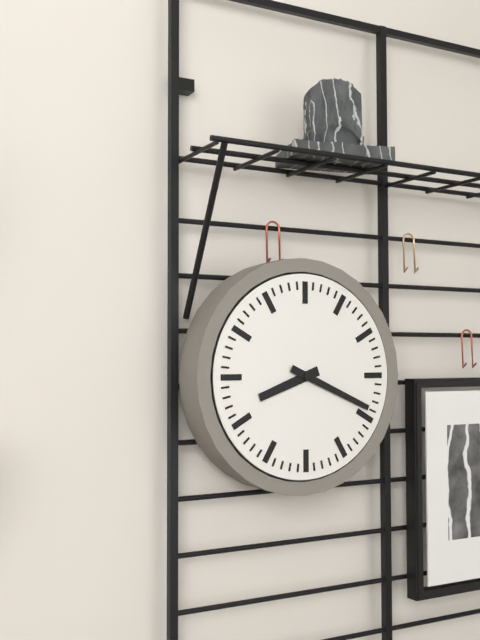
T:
**8:19**
